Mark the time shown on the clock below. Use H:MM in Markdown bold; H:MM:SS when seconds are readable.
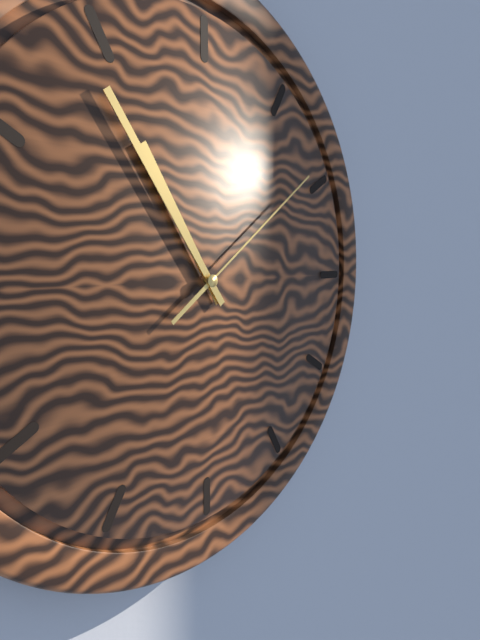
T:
**10:54:09**
